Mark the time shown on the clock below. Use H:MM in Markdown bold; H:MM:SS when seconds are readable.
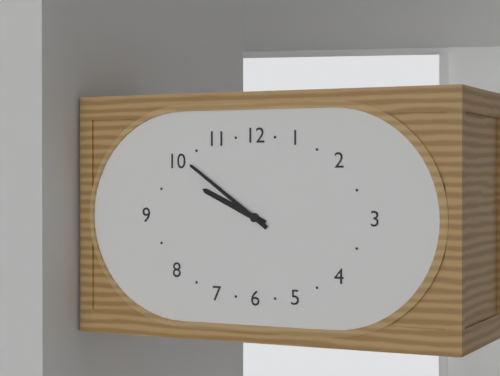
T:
**9:51**
